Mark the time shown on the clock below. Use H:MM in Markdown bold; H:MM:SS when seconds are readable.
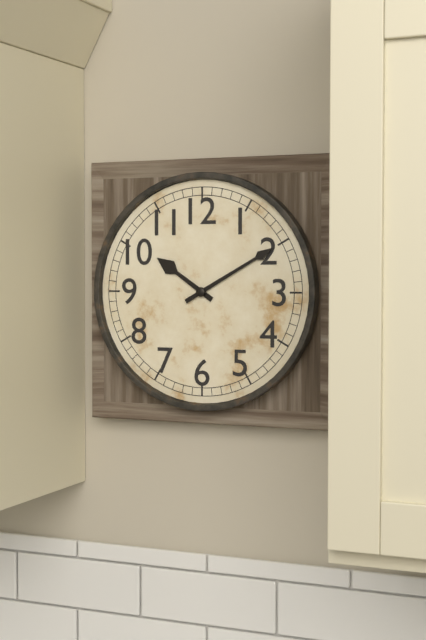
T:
**10:10**
